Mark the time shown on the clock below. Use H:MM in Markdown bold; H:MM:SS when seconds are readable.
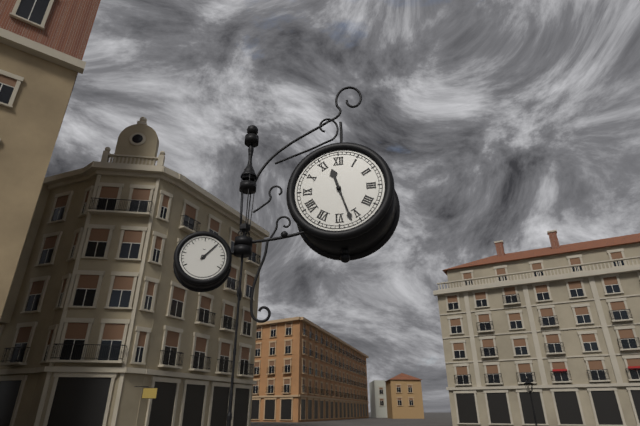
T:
**11:27**
